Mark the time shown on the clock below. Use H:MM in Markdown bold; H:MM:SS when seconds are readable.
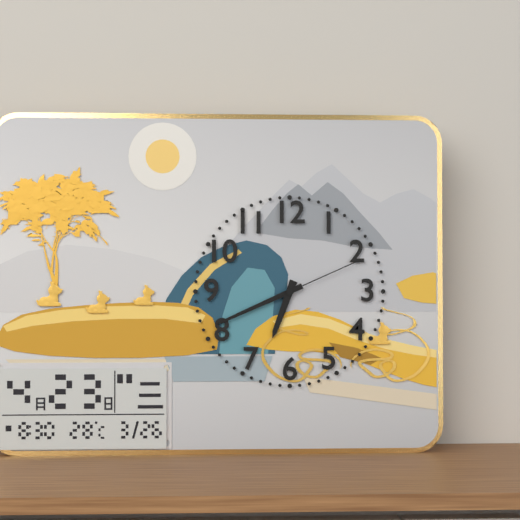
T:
**6:41:11**
